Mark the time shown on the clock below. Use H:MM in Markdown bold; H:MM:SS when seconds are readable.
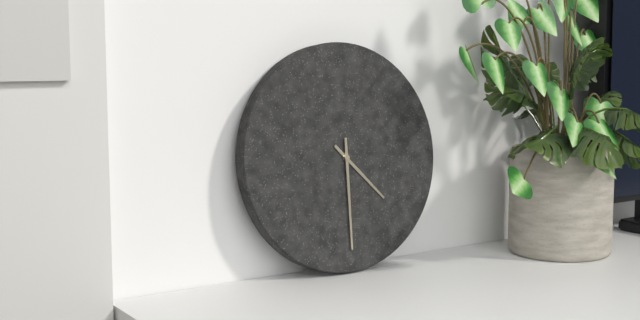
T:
**4:30**
